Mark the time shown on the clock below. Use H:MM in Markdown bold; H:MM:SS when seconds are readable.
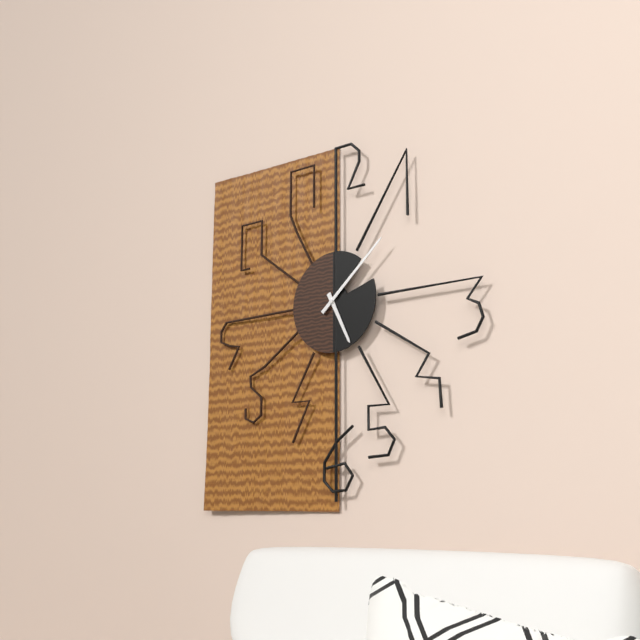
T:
**5:08**
